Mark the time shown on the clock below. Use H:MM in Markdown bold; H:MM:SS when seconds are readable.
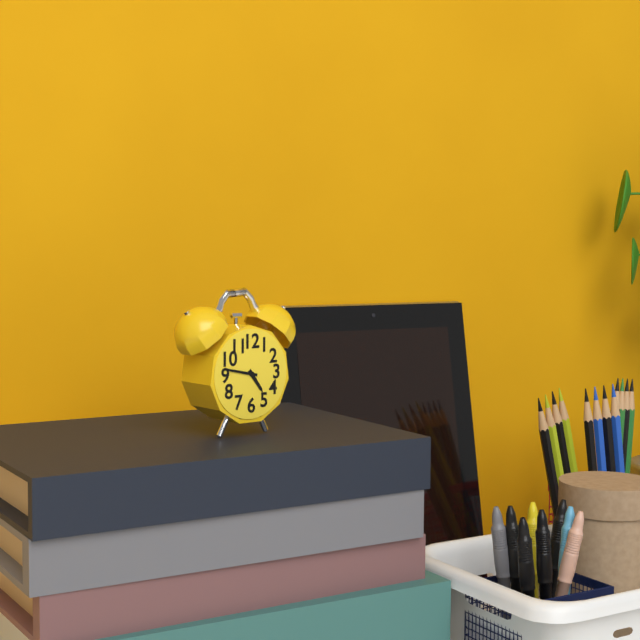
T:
**4:47**
